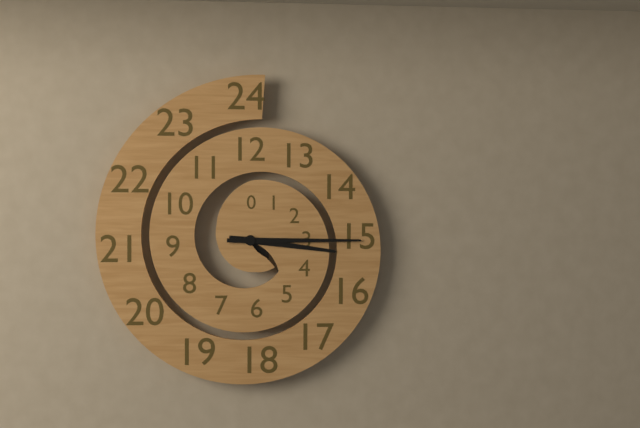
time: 3:15
